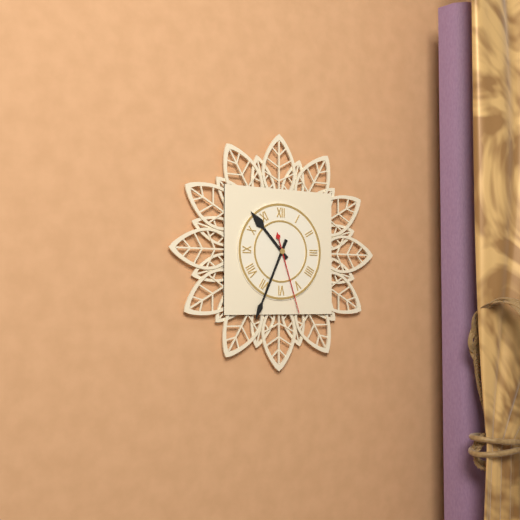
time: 10:34:27
